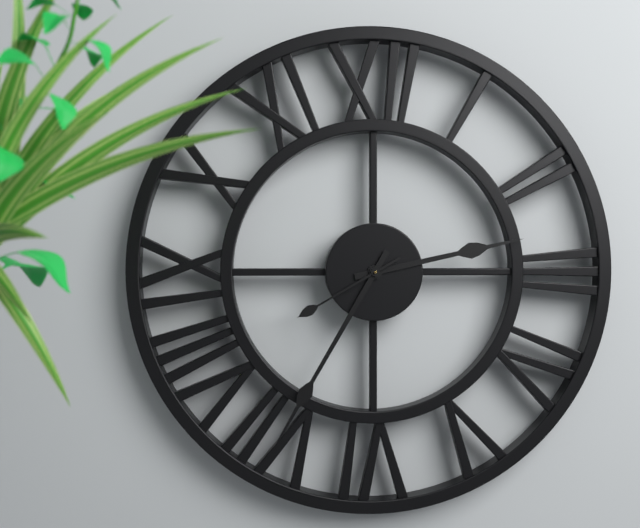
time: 2:35:40
